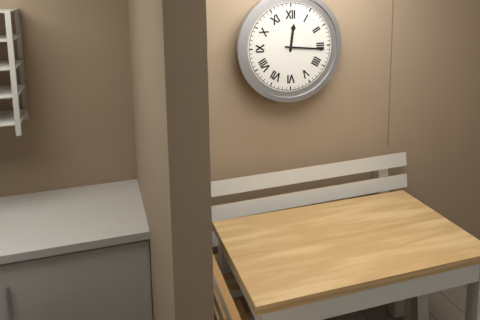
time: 12:16
